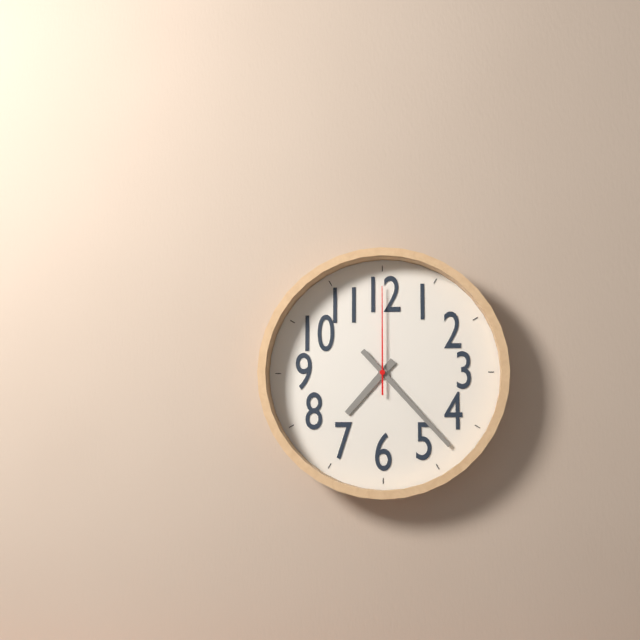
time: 7:23:00
